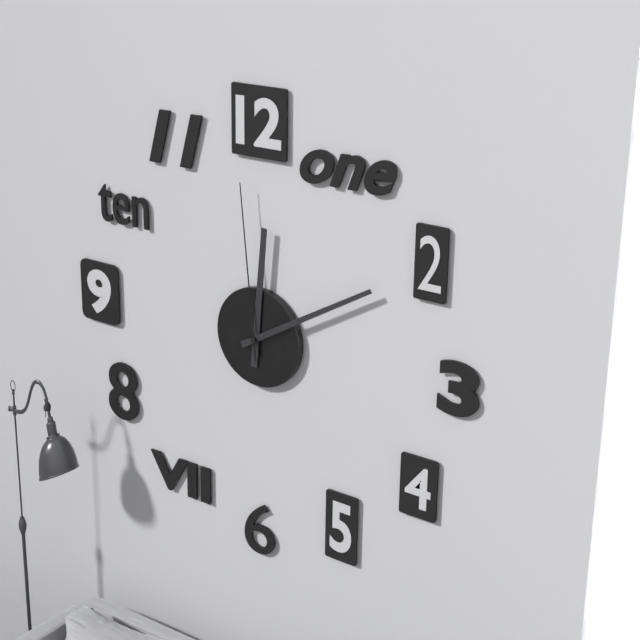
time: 12:10:59
